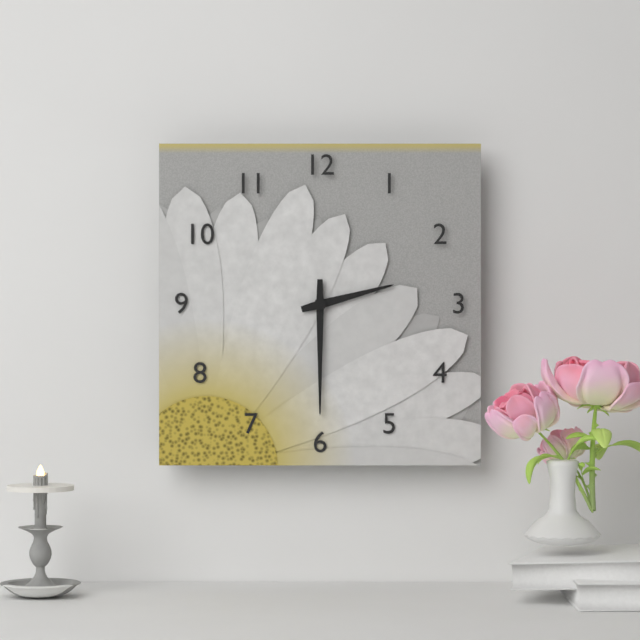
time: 2:30
